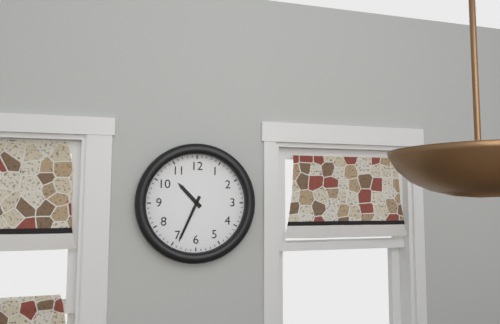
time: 10:34
